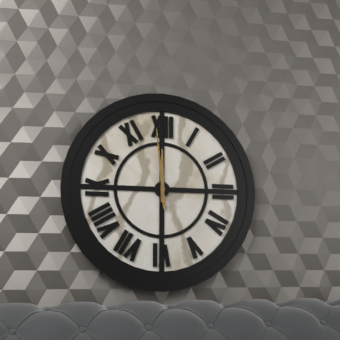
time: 11:59
